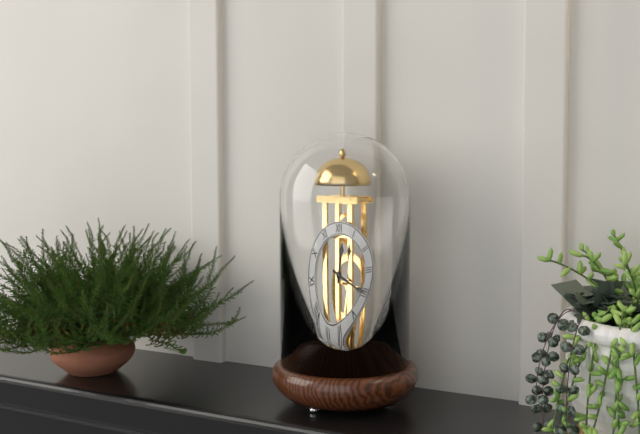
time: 12:20
